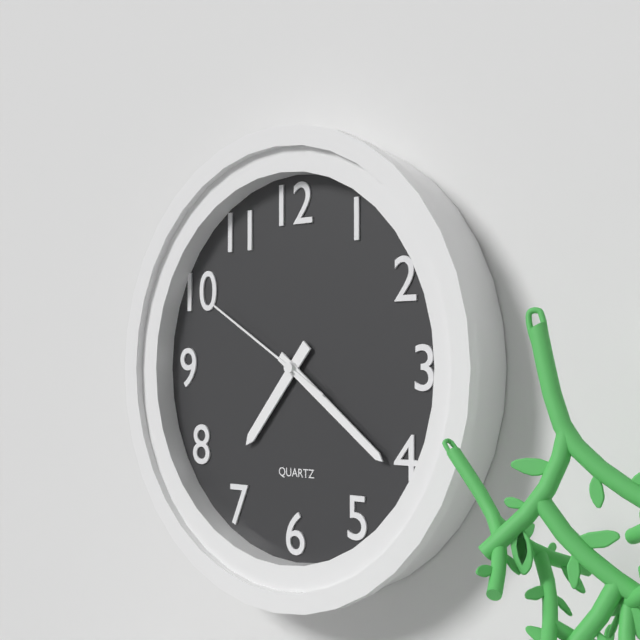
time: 7:21:50
